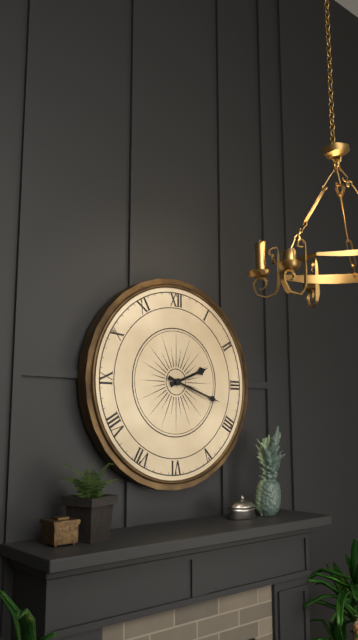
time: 2:18
